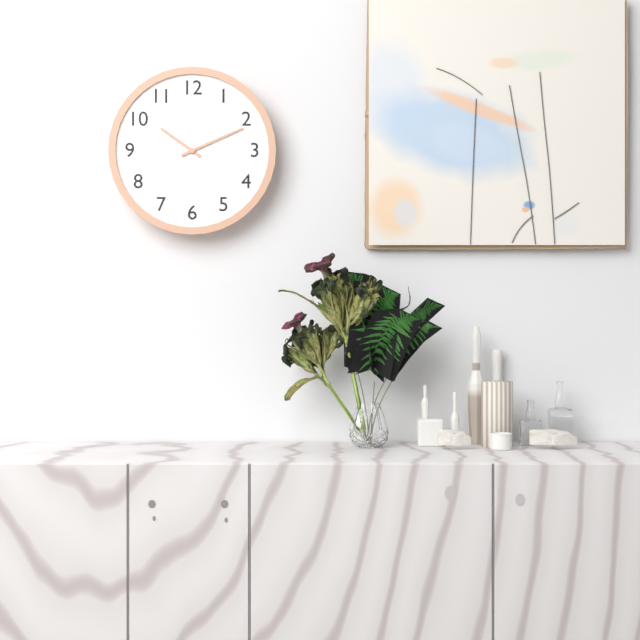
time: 10:11
